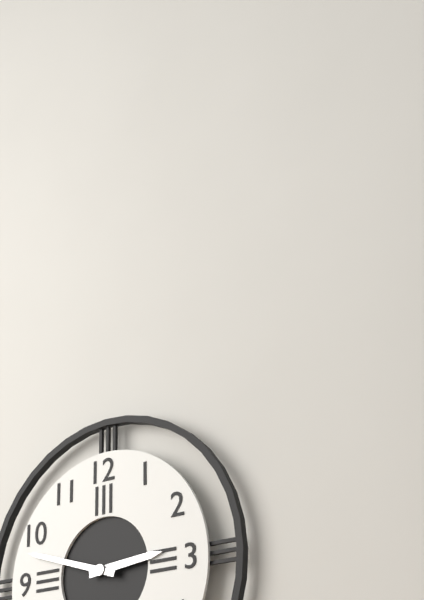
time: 2:48
